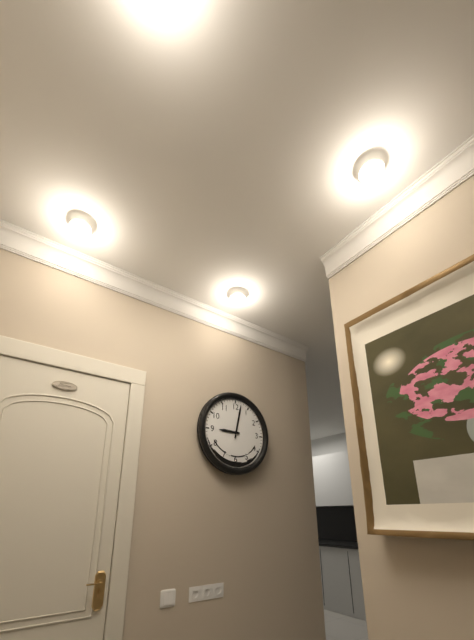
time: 9:02
